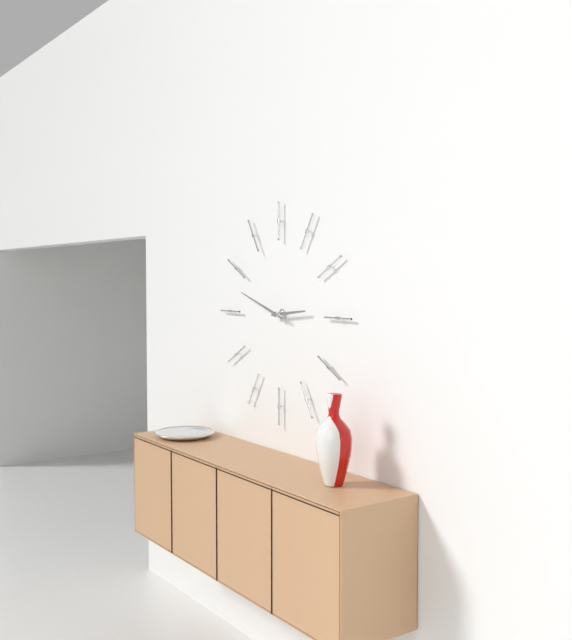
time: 2:48
